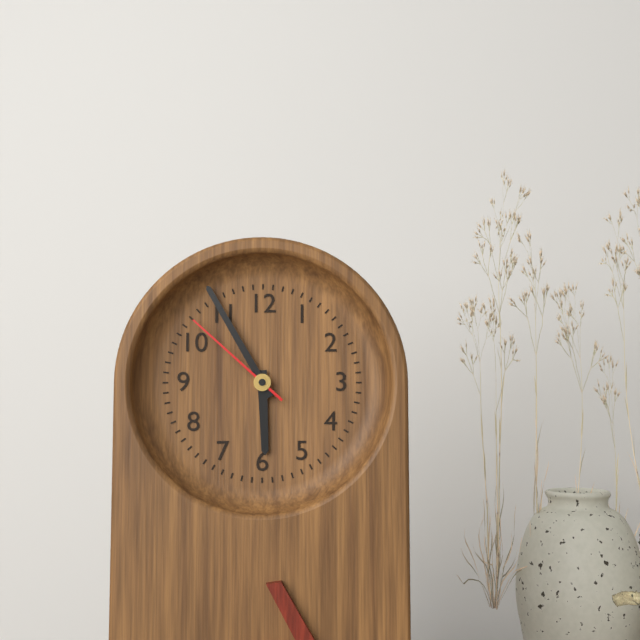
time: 5:55:52
